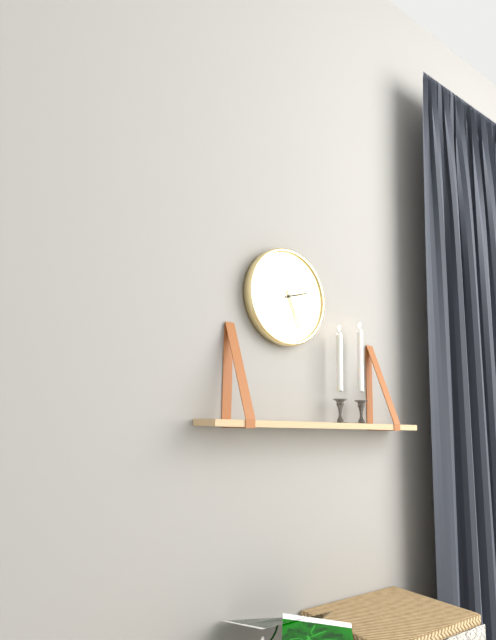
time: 2:26
